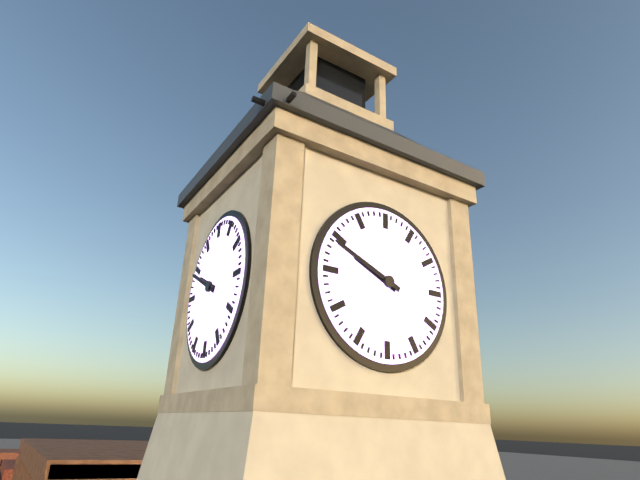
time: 9:49
